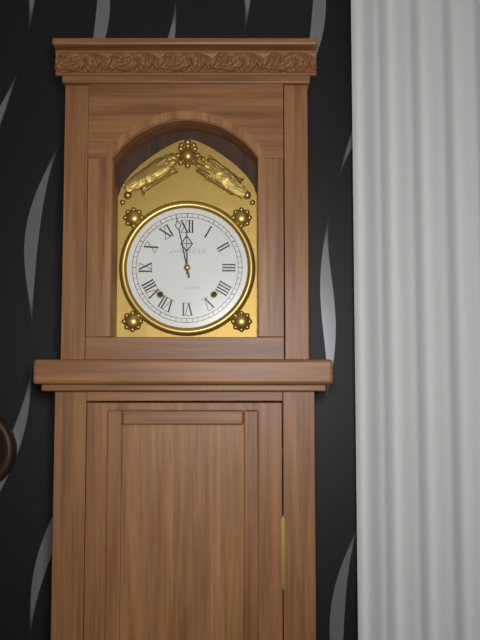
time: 11:58
